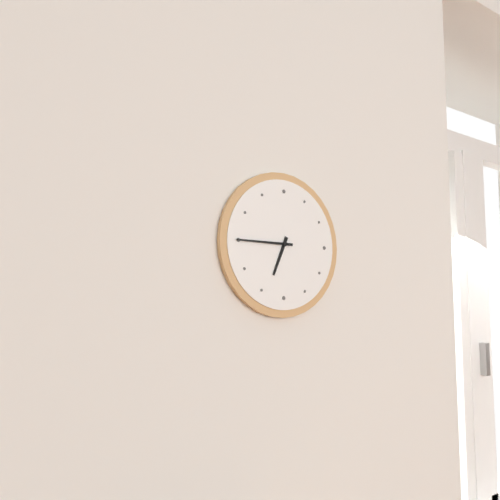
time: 6:45
